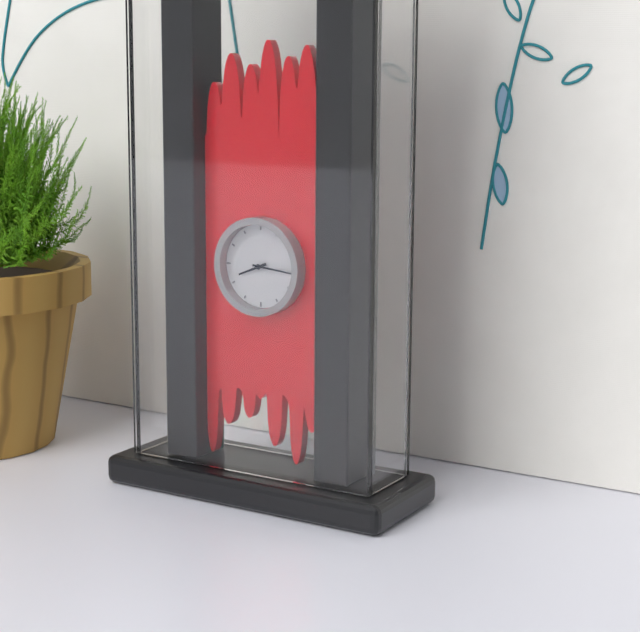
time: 8:16
